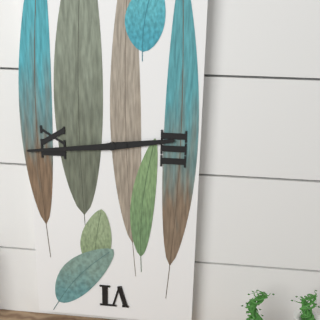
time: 2:44
